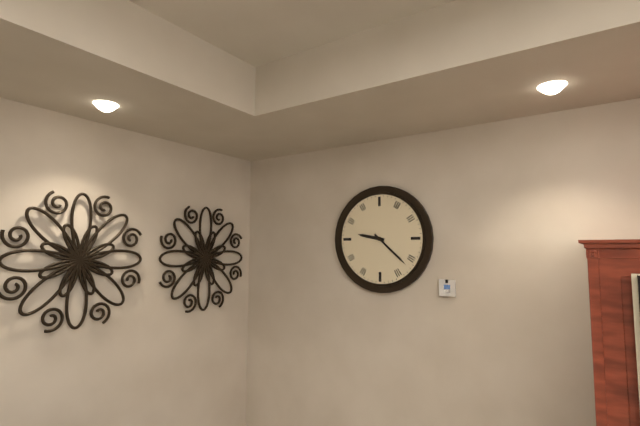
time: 9:22
